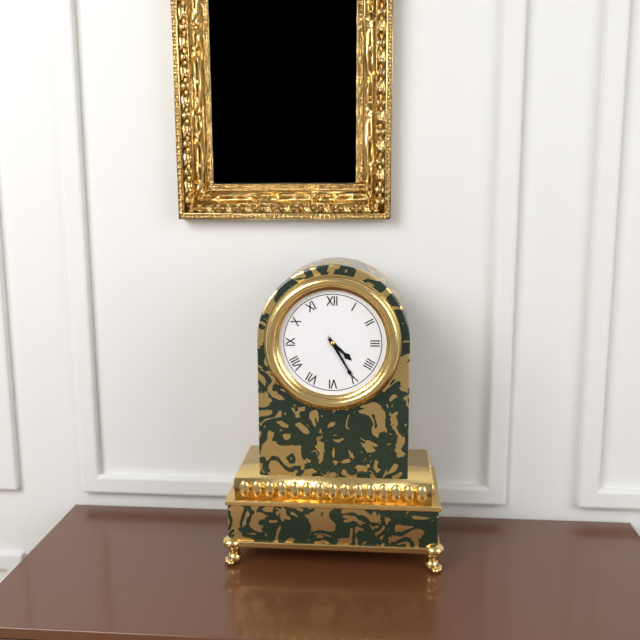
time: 4:25
